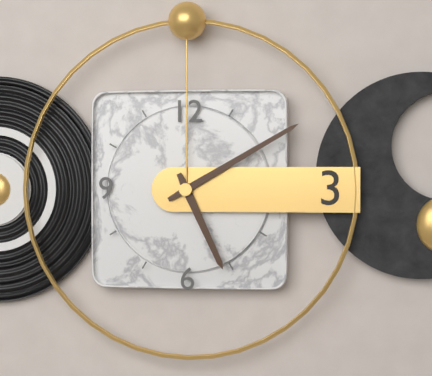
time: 5:10
